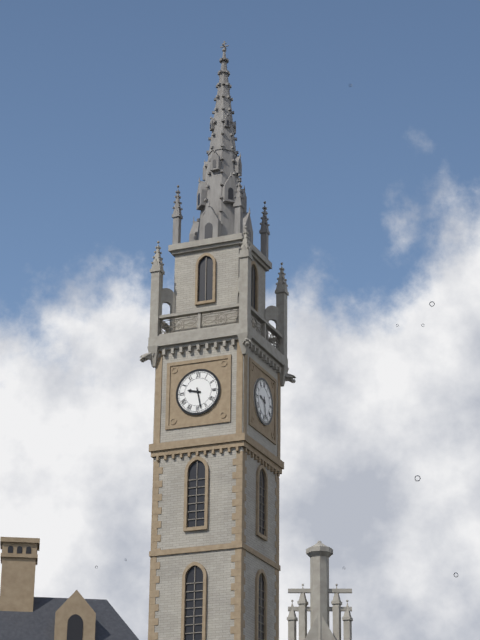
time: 9:28
